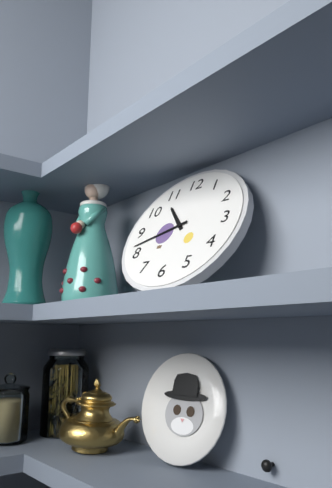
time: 10:42
